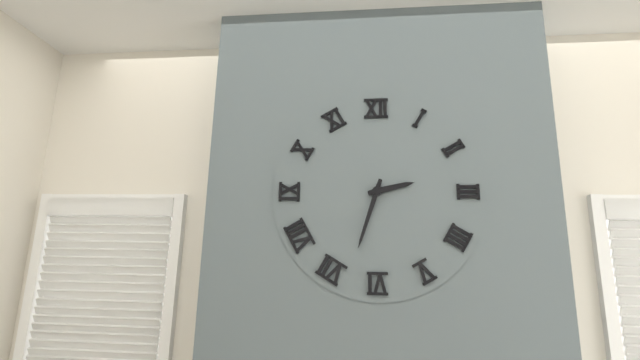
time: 2:33
